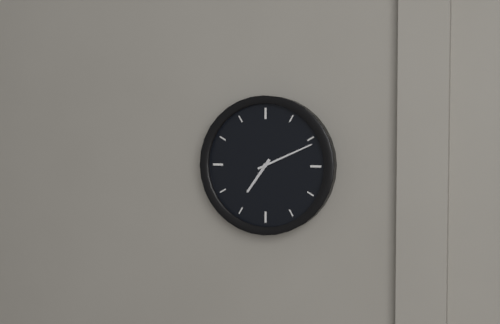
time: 7:11
